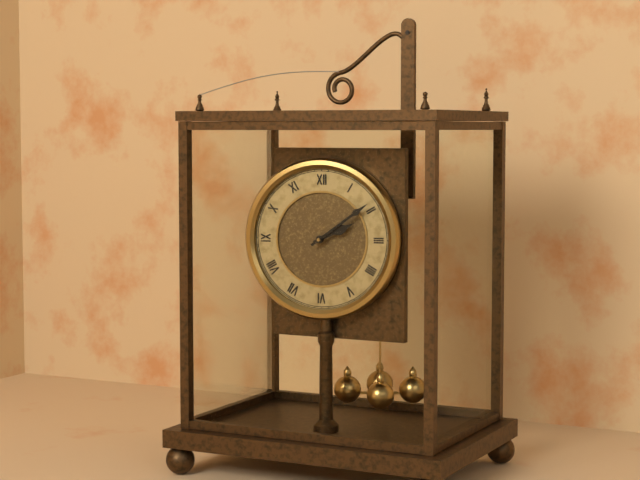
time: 2:09
